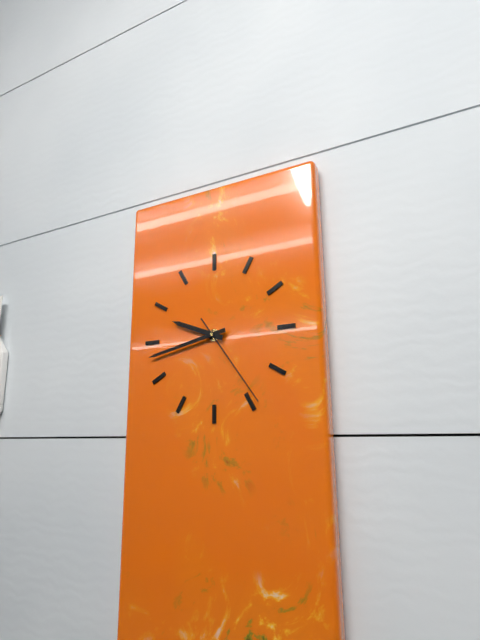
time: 9:43:24
